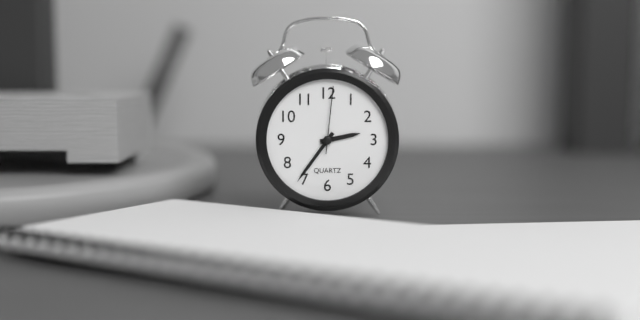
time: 2:36:01
